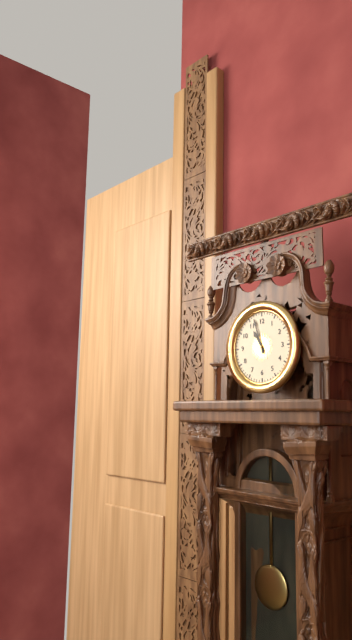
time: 10:57
